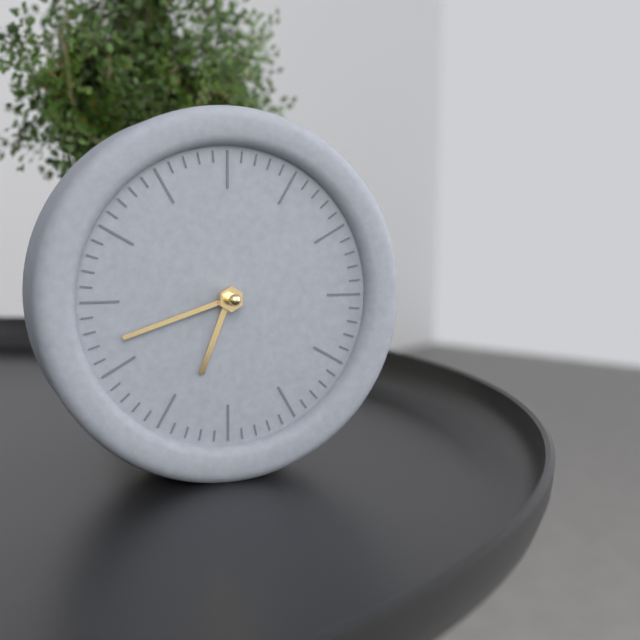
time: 6:42
